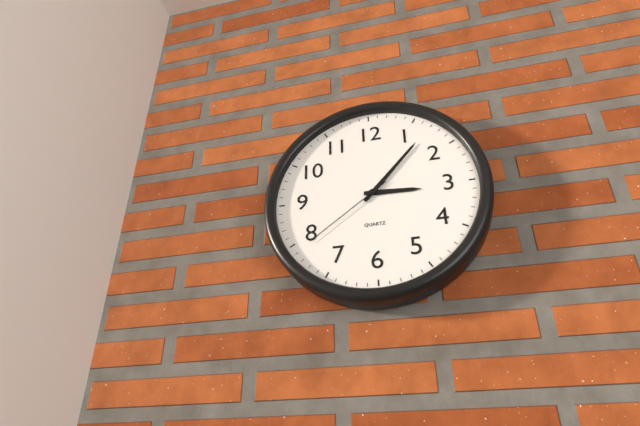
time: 3:07:39
